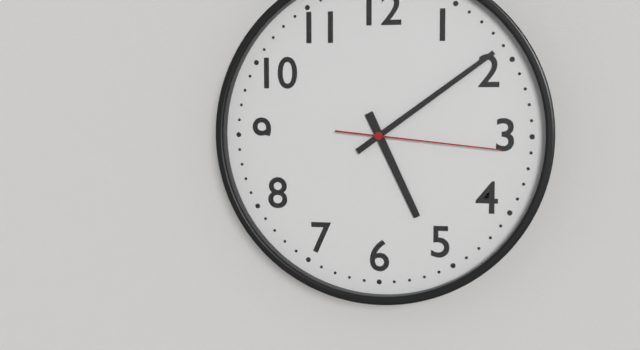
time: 5:09:16
